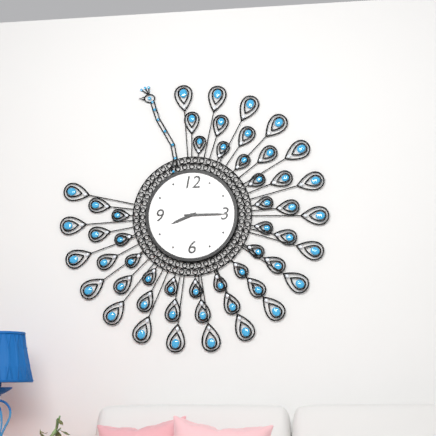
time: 8:15
